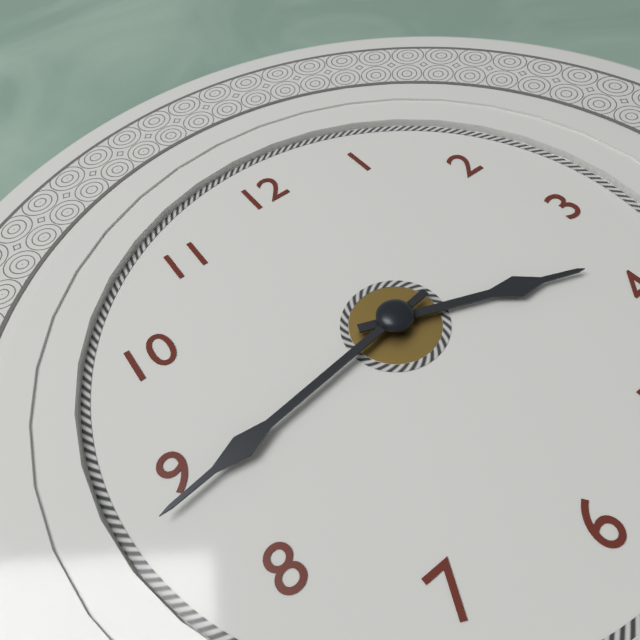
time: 3:44
